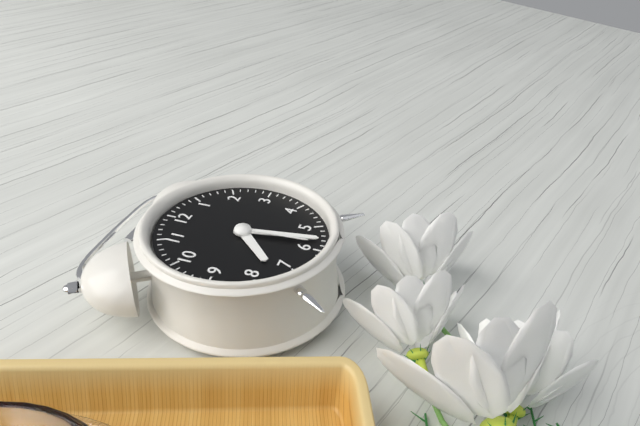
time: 7:28:29
